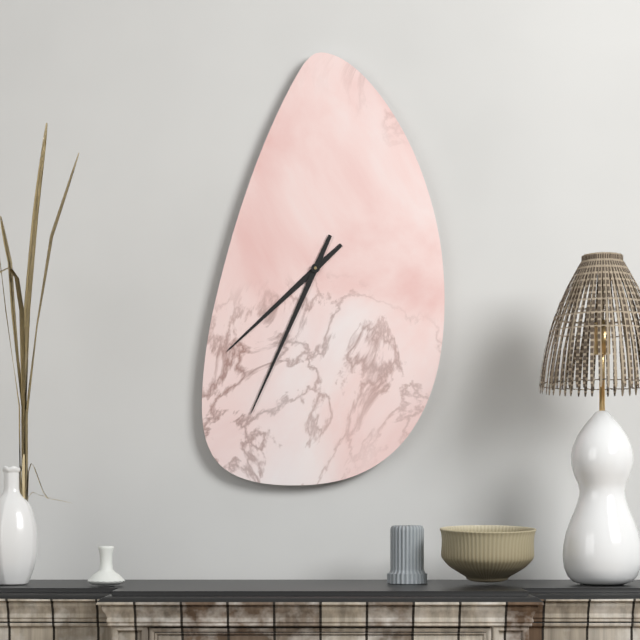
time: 7:34
